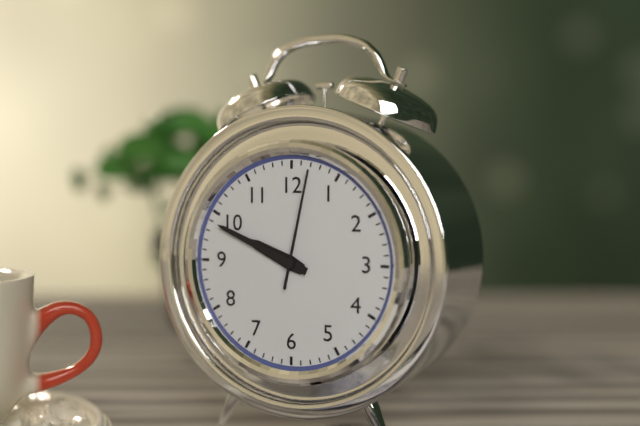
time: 9:49:02
